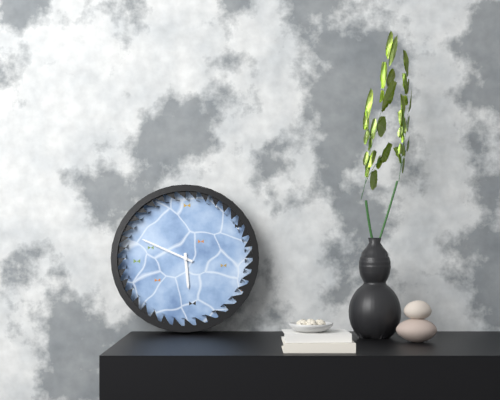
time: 5:49
